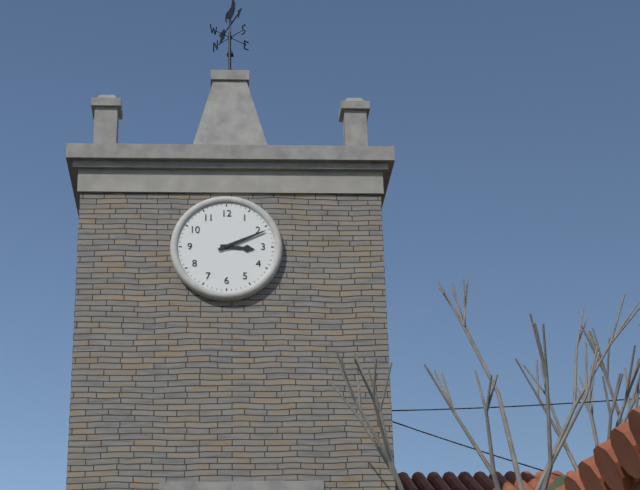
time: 3:11
